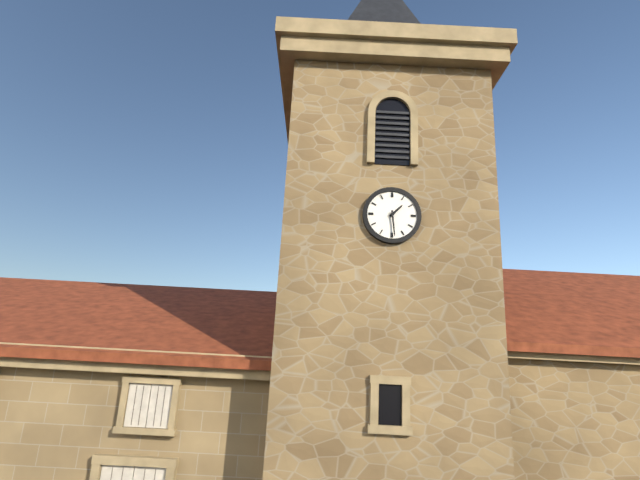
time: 1:29
